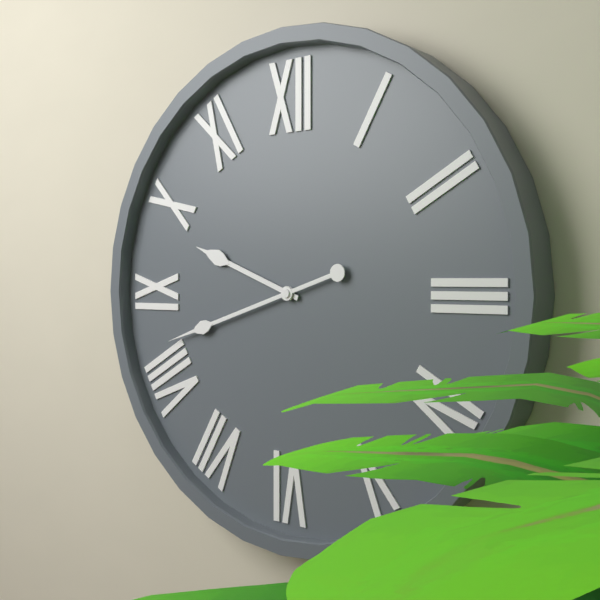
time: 9:42
